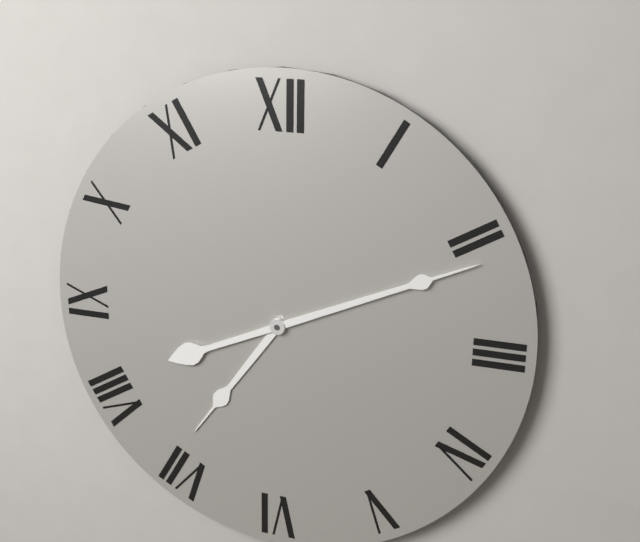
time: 7:11
